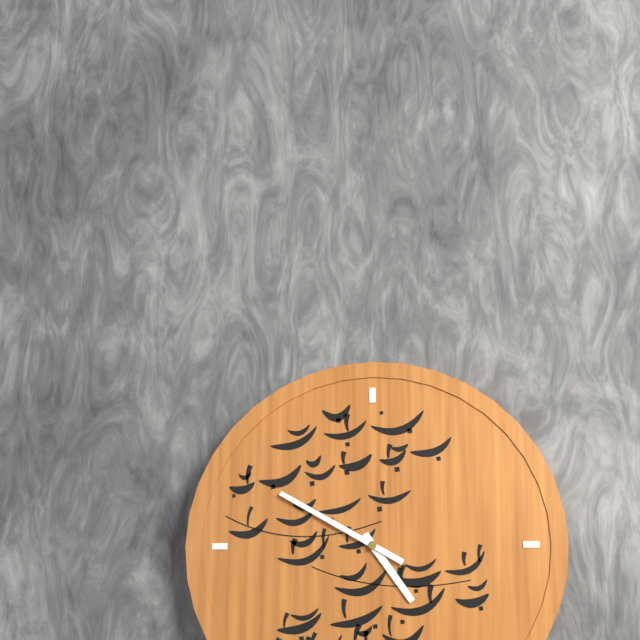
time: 4:50
